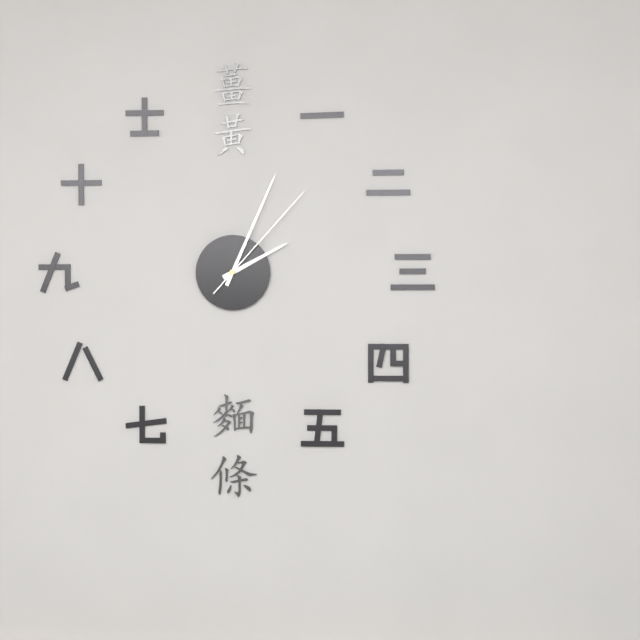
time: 2:04:07
